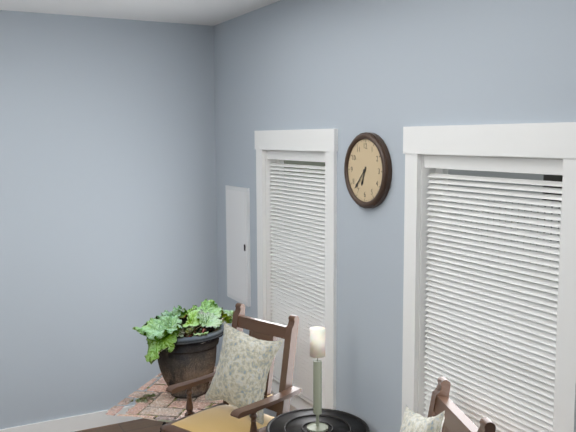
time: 6:37
